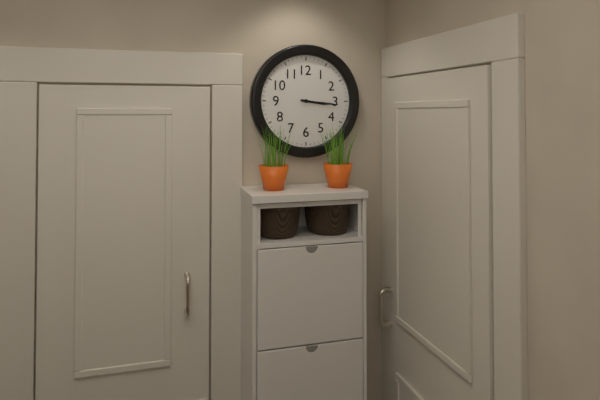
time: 3:16
